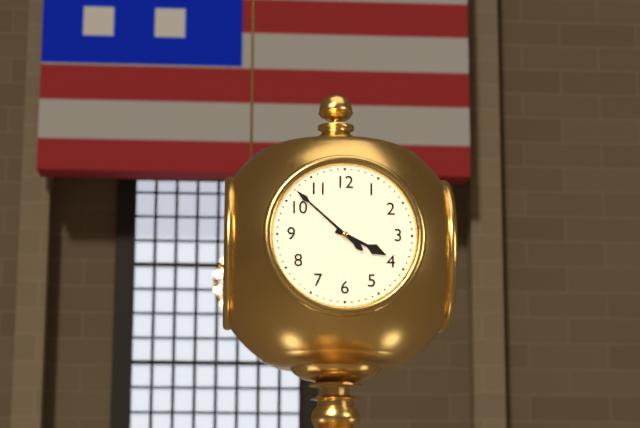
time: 3:52
